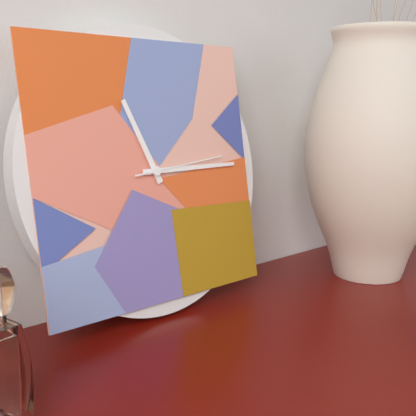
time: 11:15:14
